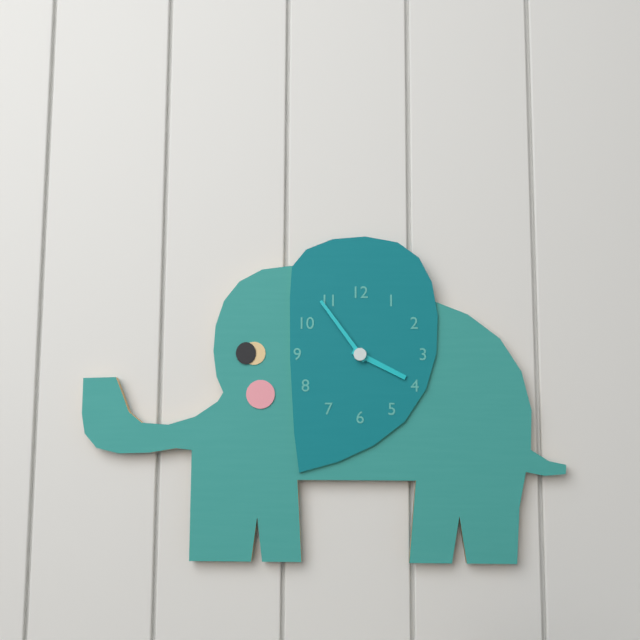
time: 3:54
